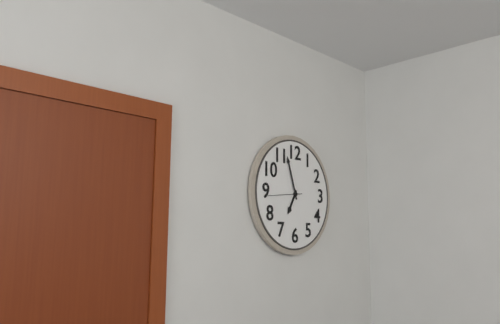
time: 6:57
